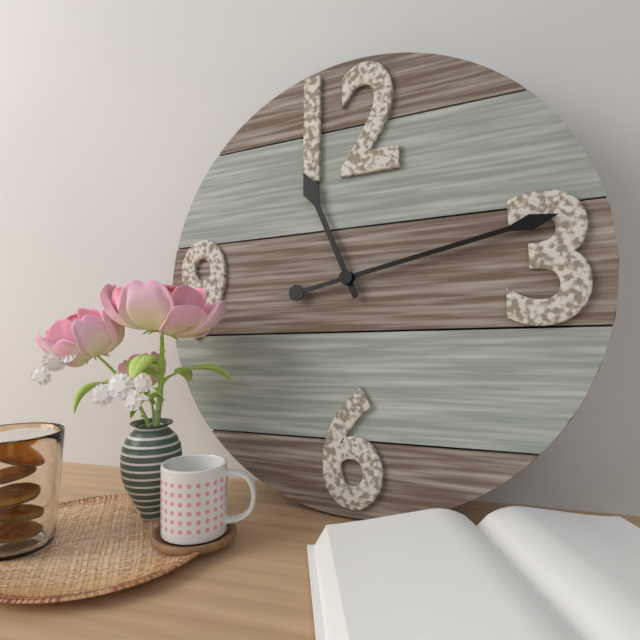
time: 11:13
